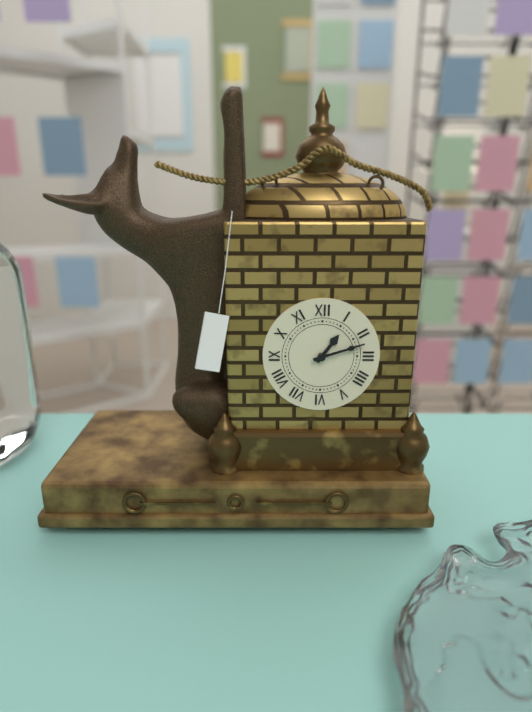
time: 1:12
